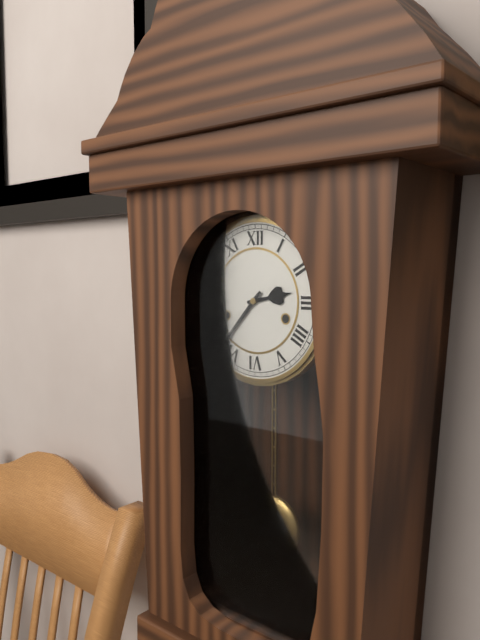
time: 2:37
